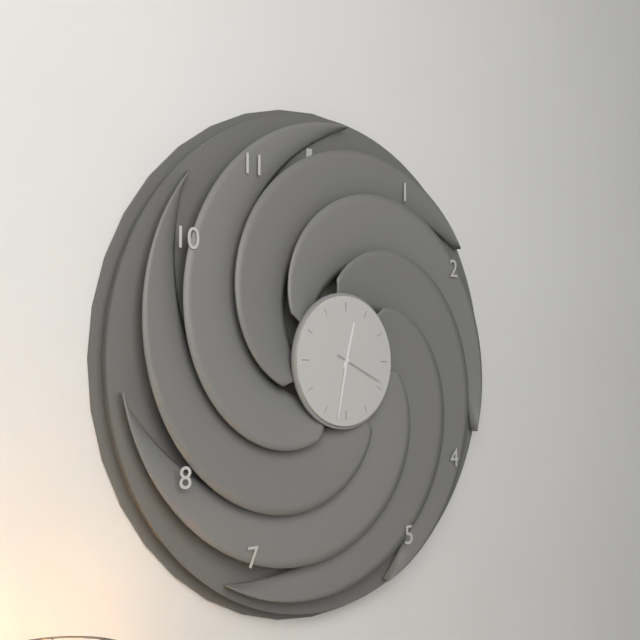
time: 12:32
